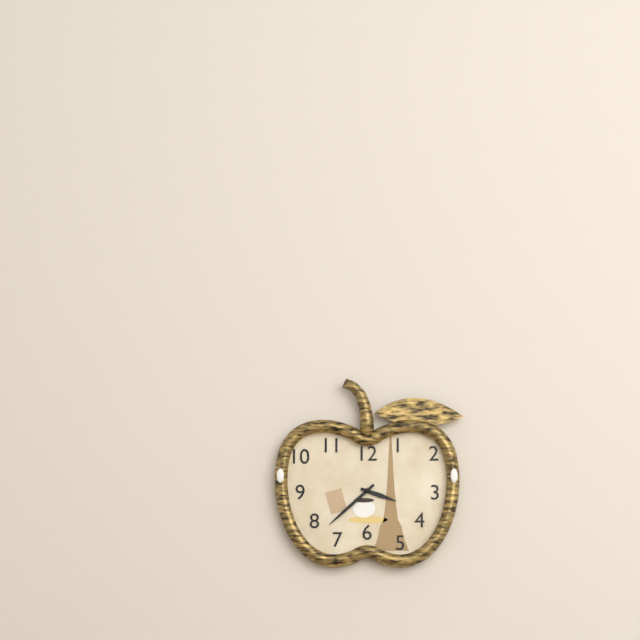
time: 3:38
